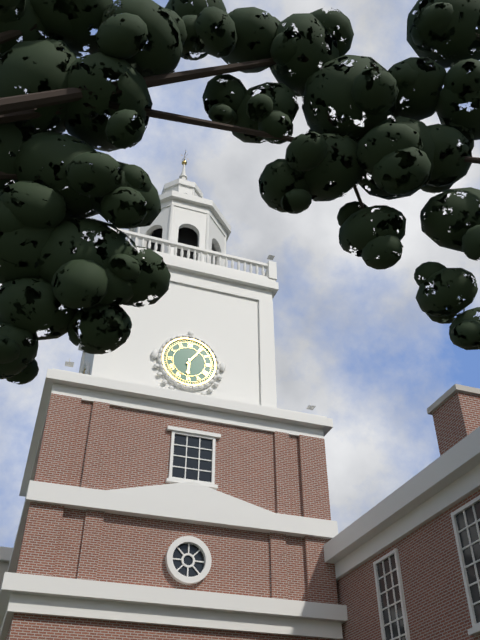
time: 6:06
